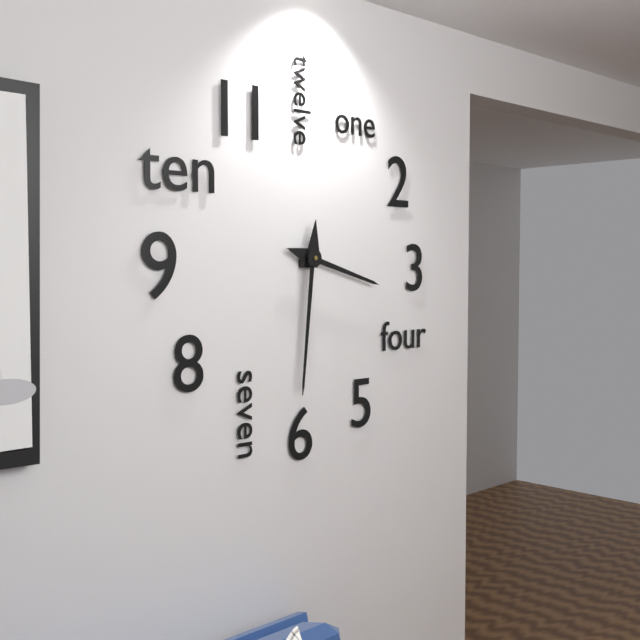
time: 3:31
